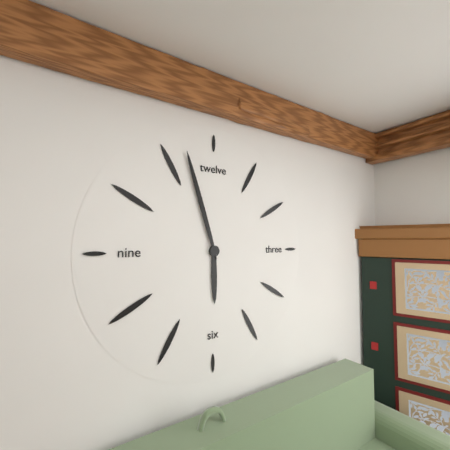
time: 5:57
